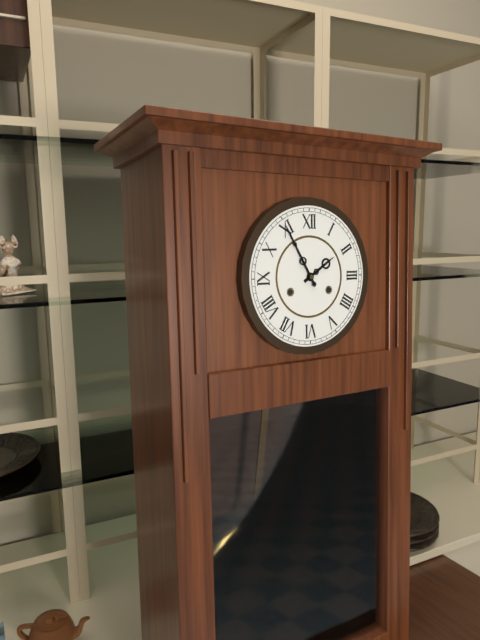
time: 1:55
